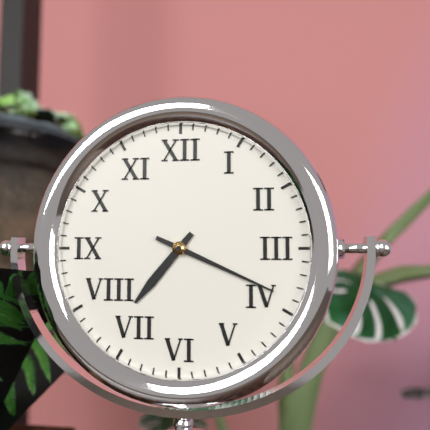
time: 7:19
